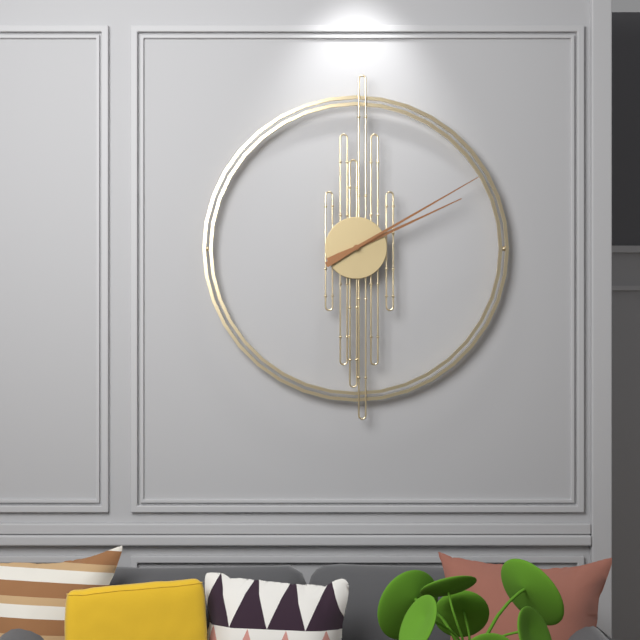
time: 2:10
